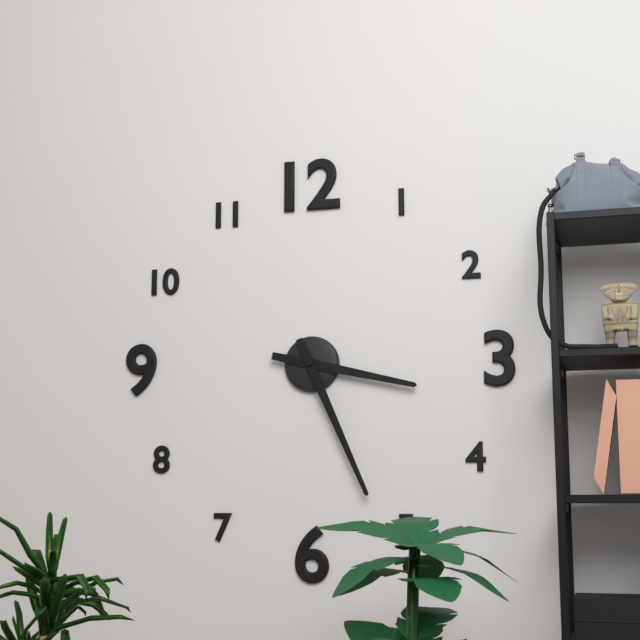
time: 3:26
